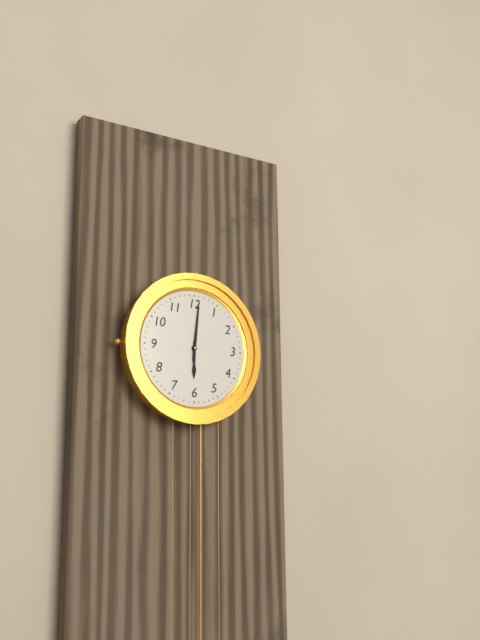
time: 6:01
